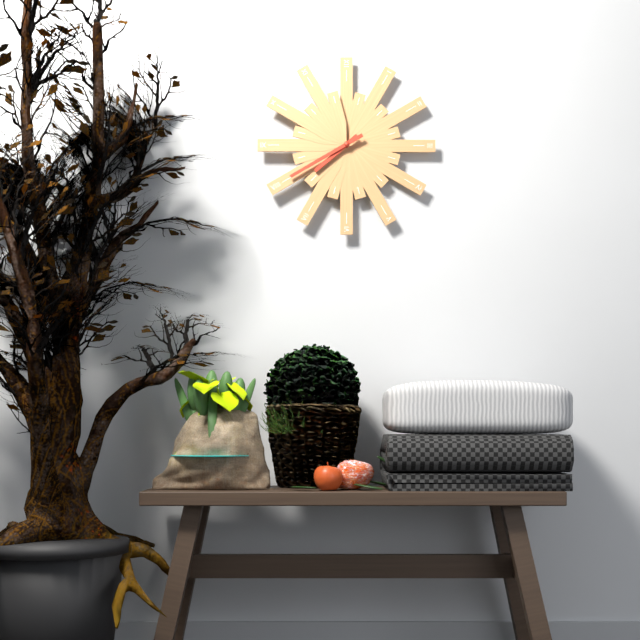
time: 7:40
